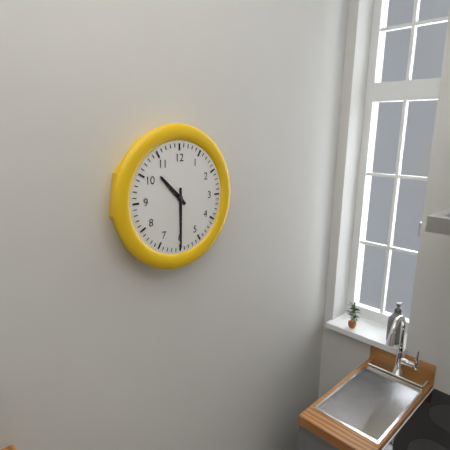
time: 10:30
